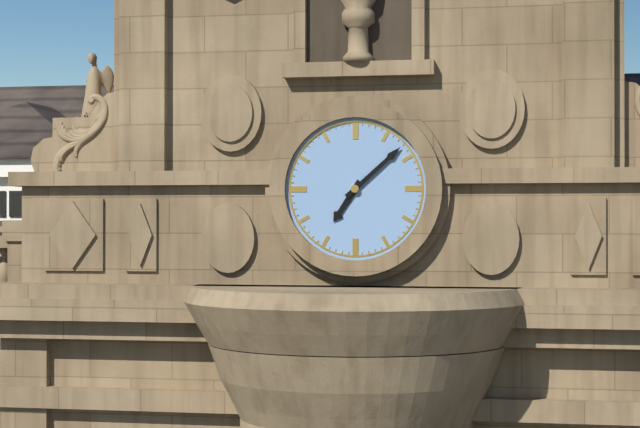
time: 7:08
